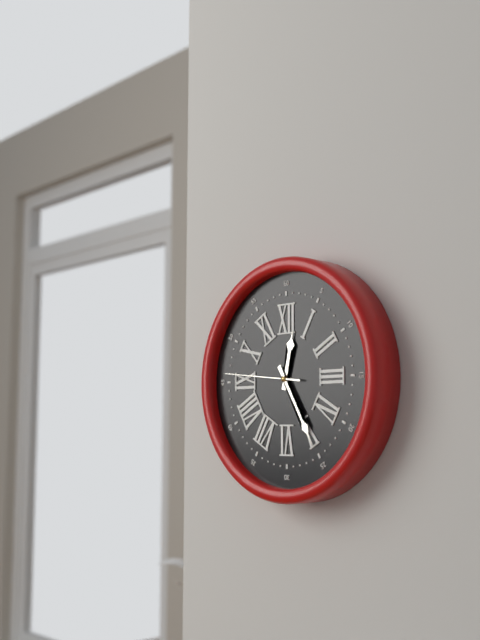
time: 12:25:46
